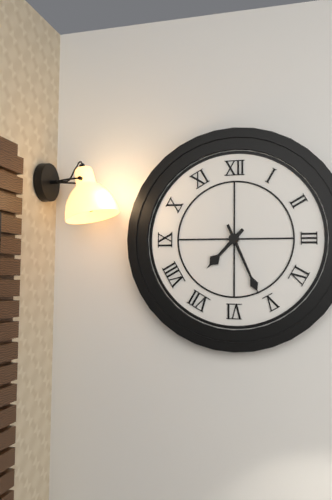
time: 7:26
